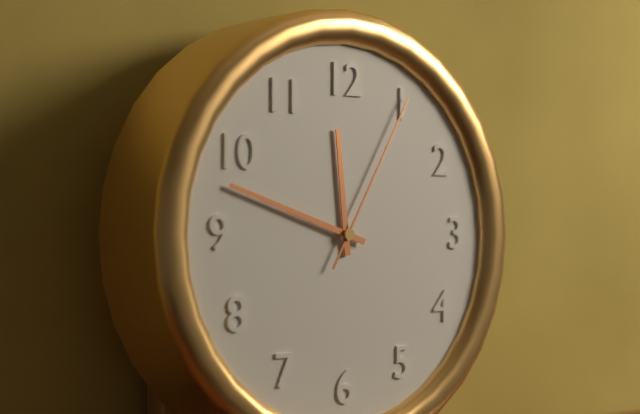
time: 11:48:05
